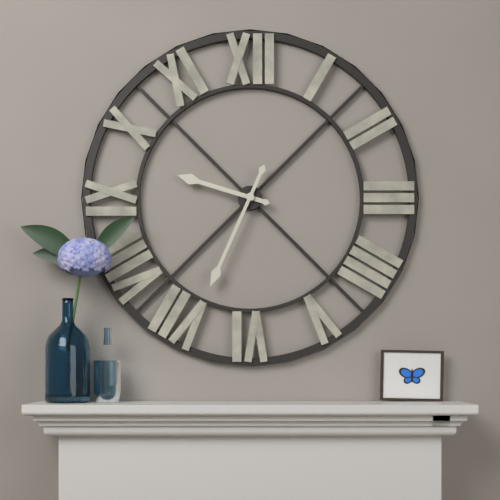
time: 9:34
